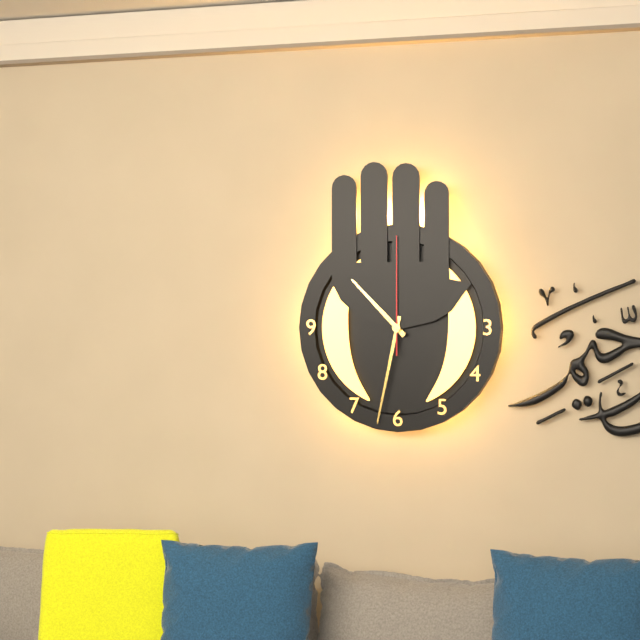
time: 10:32:00
